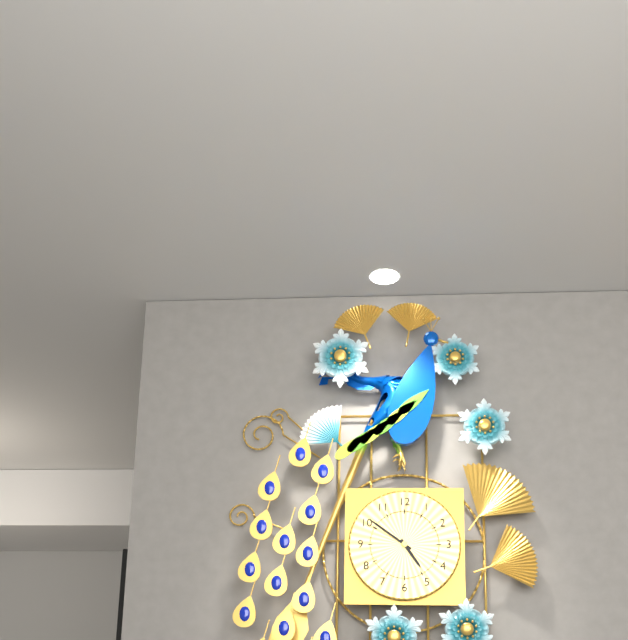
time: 4:51
